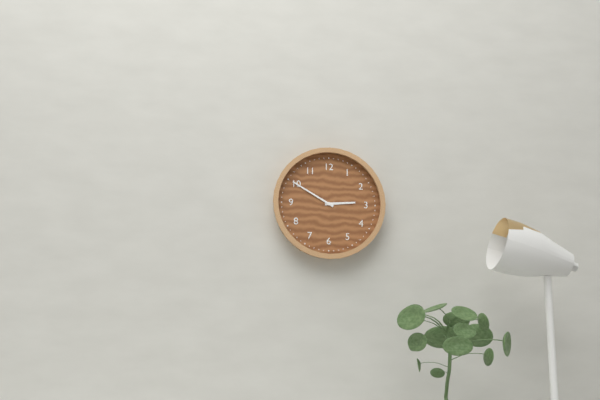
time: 2:50
